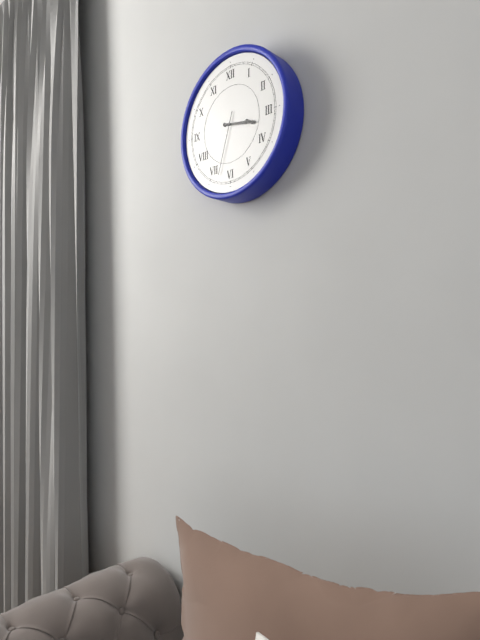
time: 3:17:33
